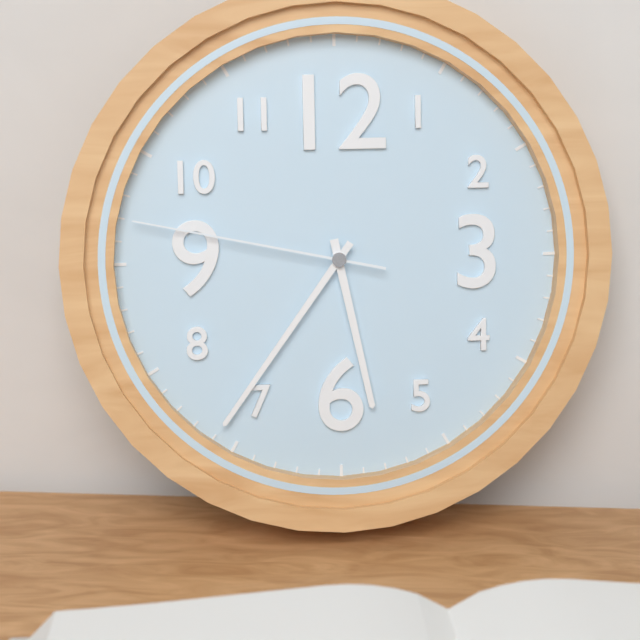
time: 5:36:47
